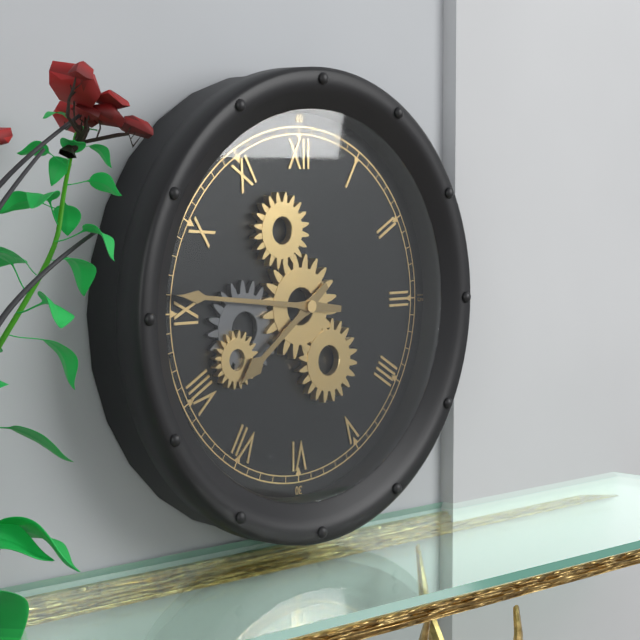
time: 7:46
